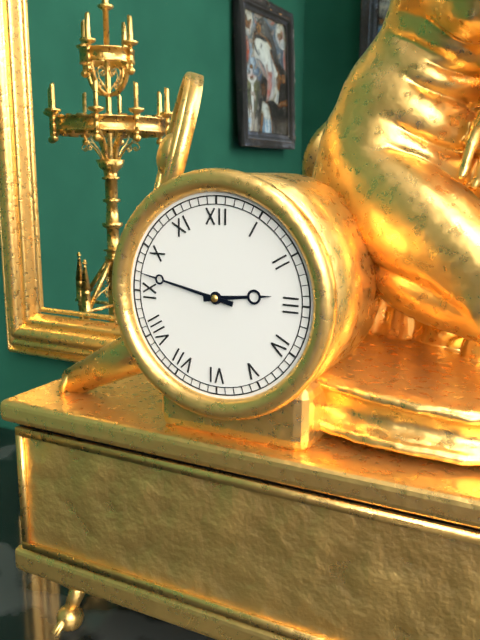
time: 2:47
